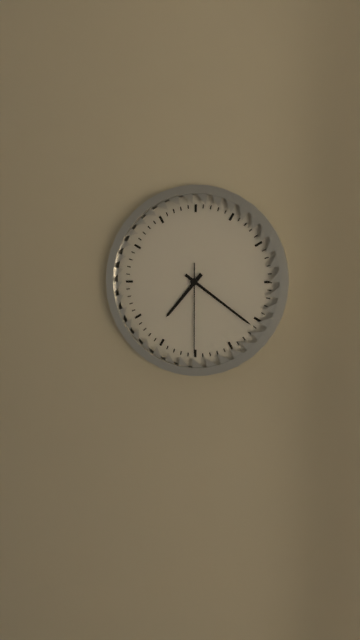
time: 7:21:30
